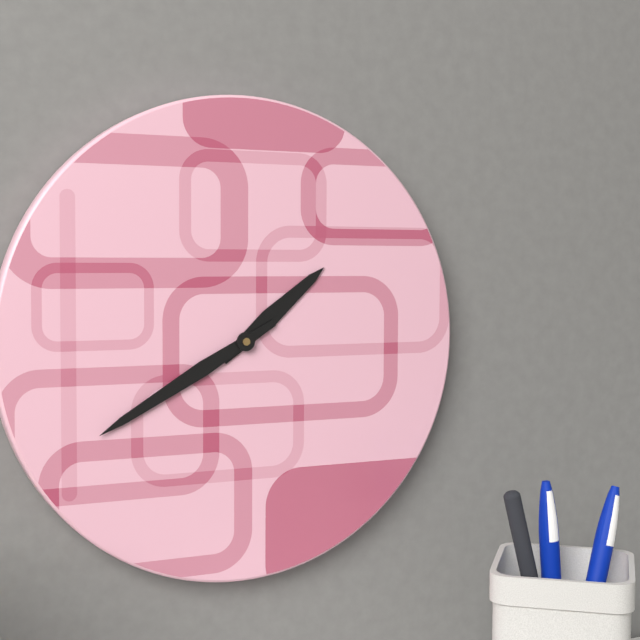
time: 1:40
